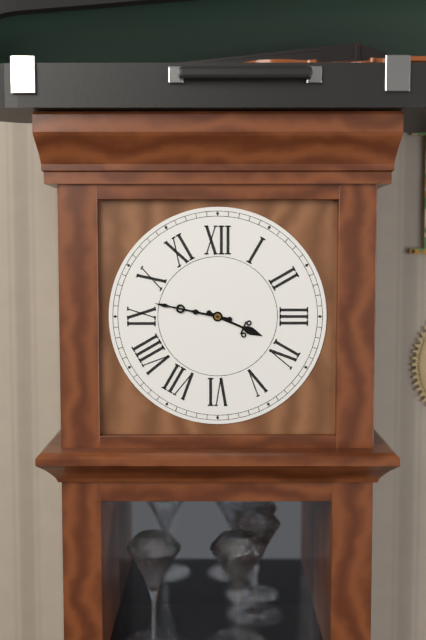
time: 3:47
